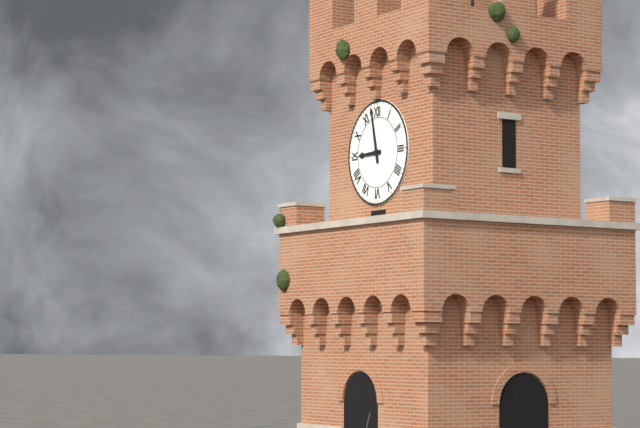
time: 8:58
